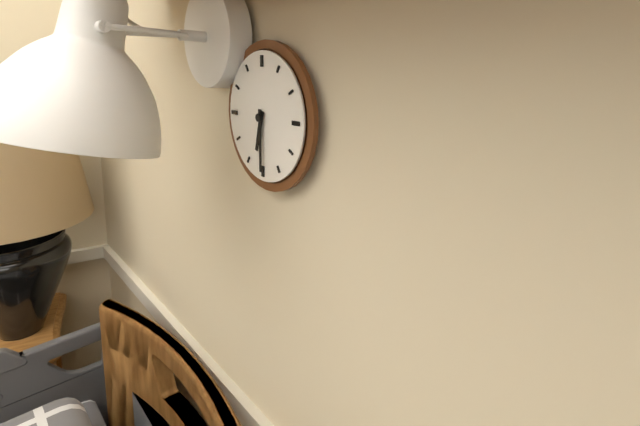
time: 6:30
